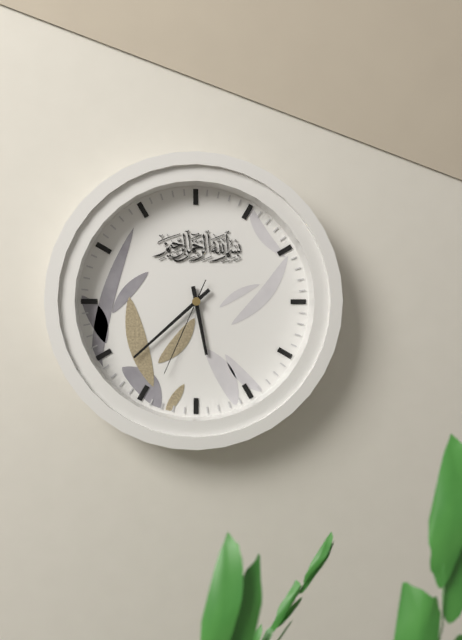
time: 5:38:34
